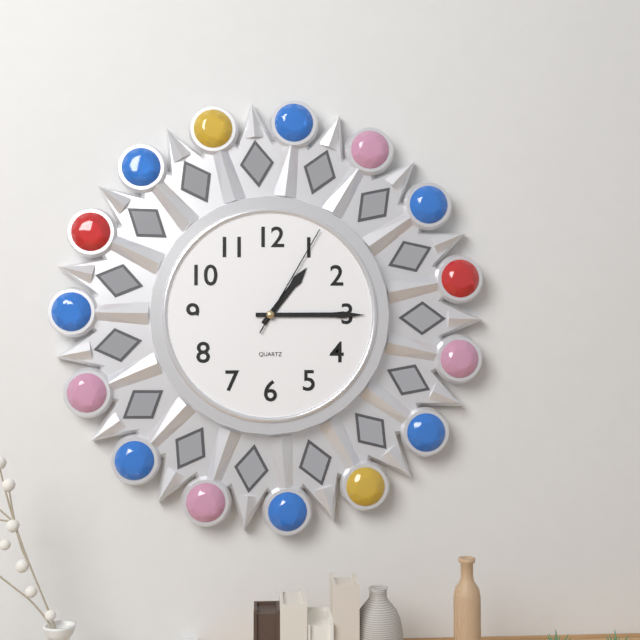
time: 1:15:05
